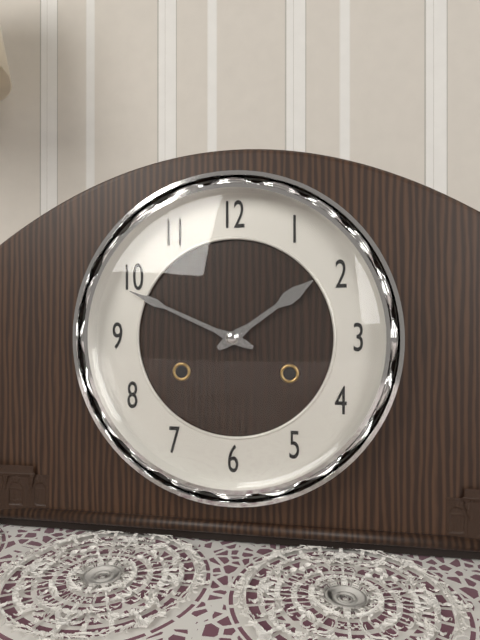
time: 1:49
